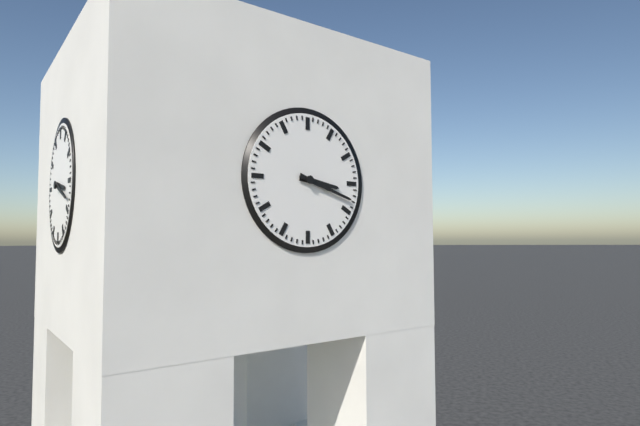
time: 3:18
